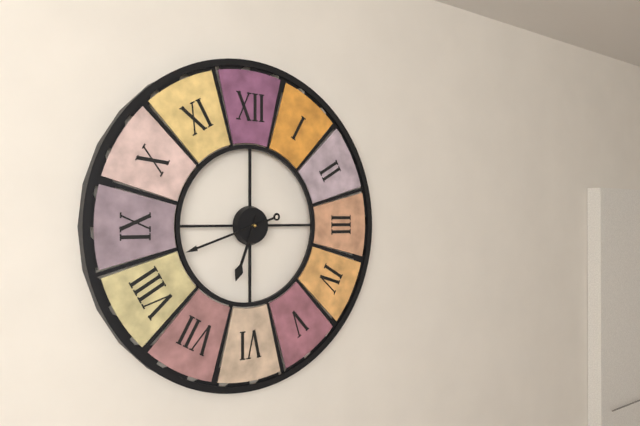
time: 6:42
